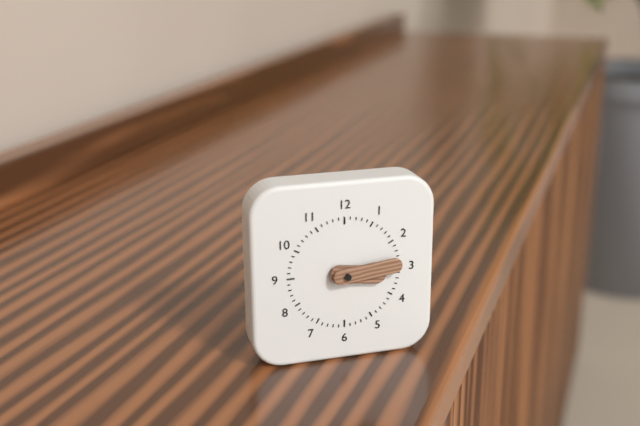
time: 3:14
